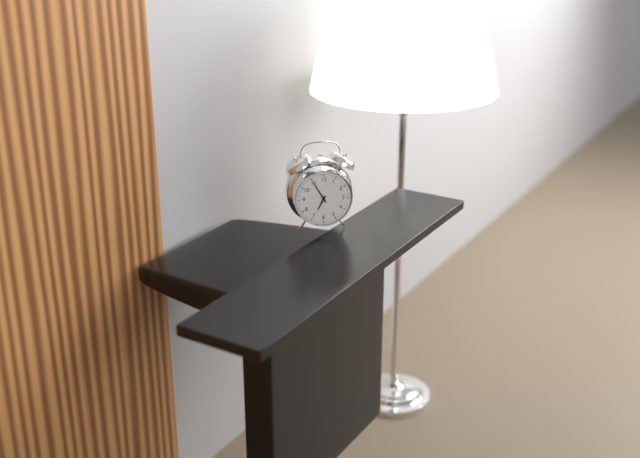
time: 6:55
